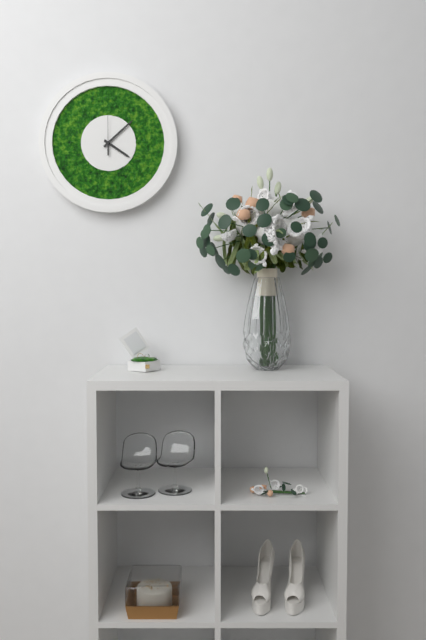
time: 4:08
